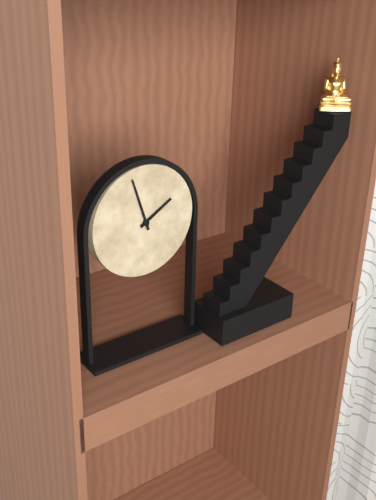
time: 1:57
